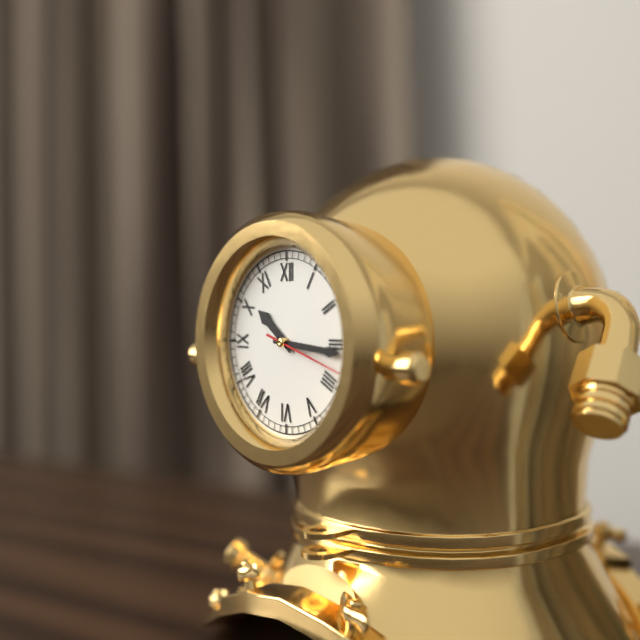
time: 10:16:18
